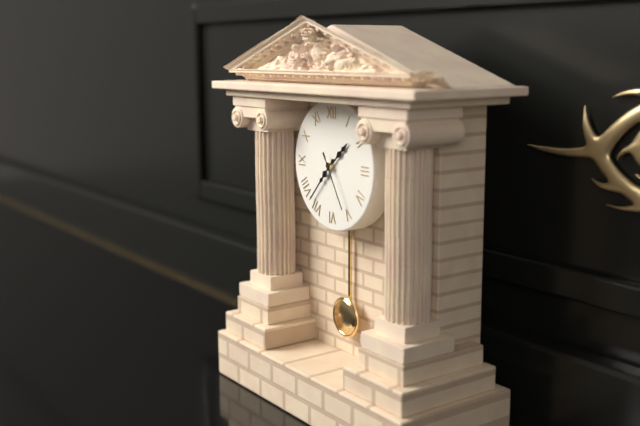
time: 1:37:25
